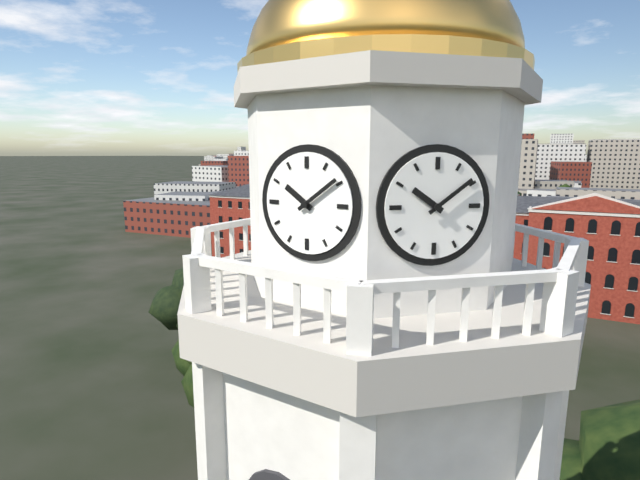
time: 10:09
